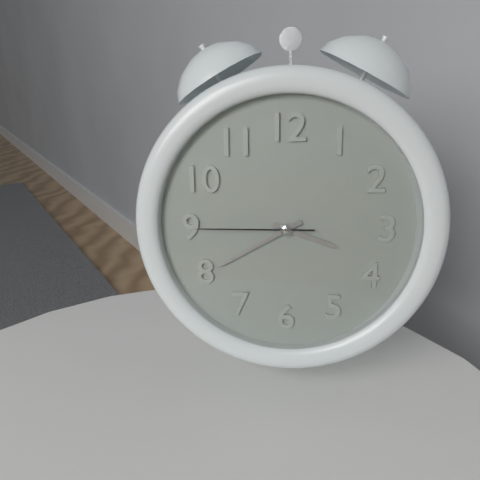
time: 3:40:45
